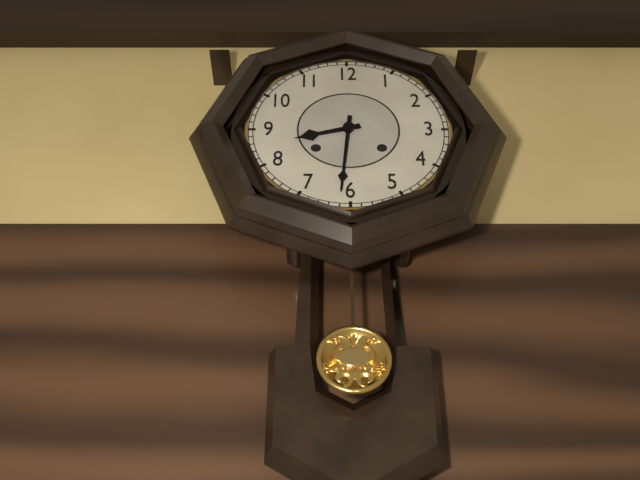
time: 8:31
